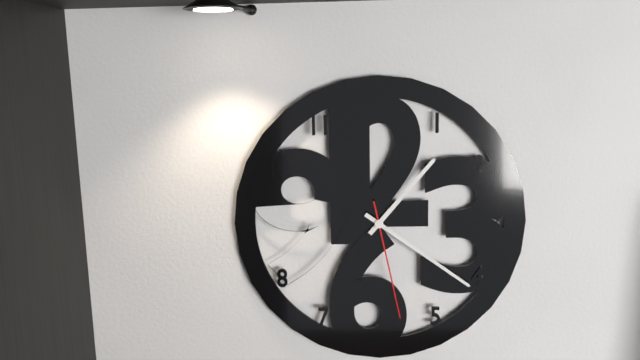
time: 1:21:28
